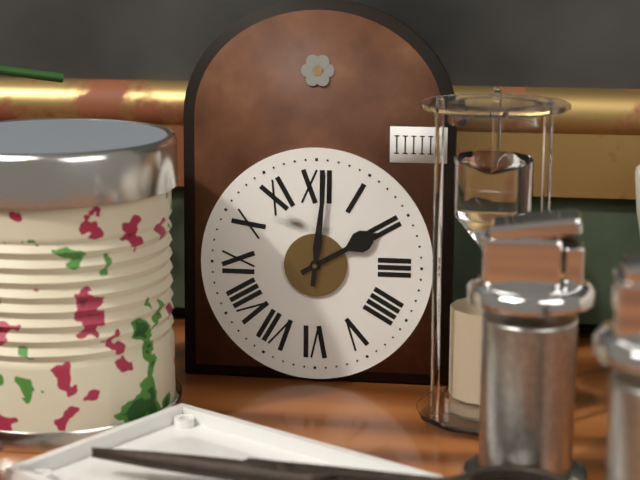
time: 2:01
